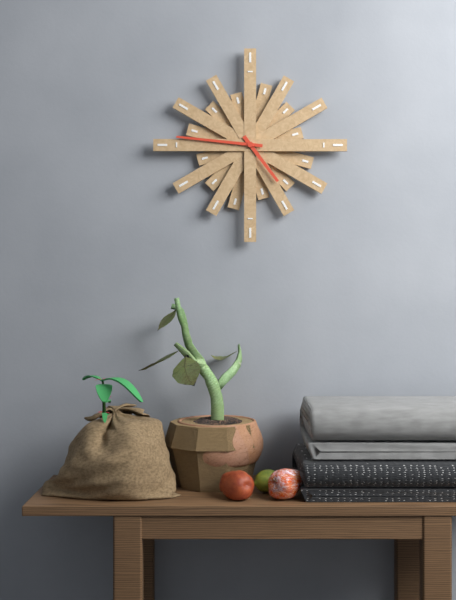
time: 4:46
